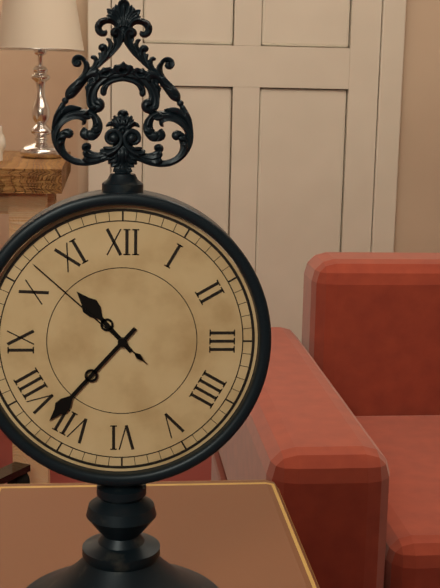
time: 10:37:52
